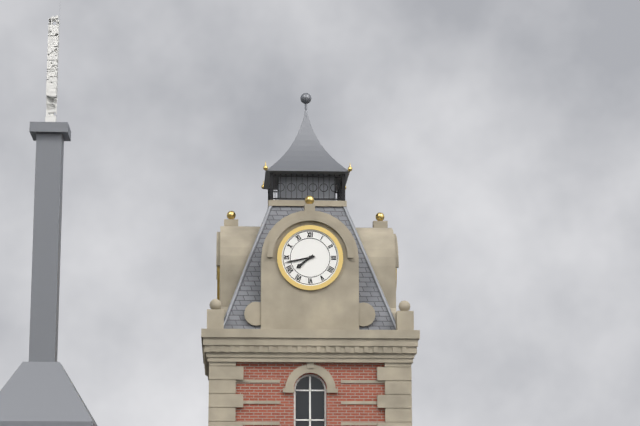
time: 7:43
